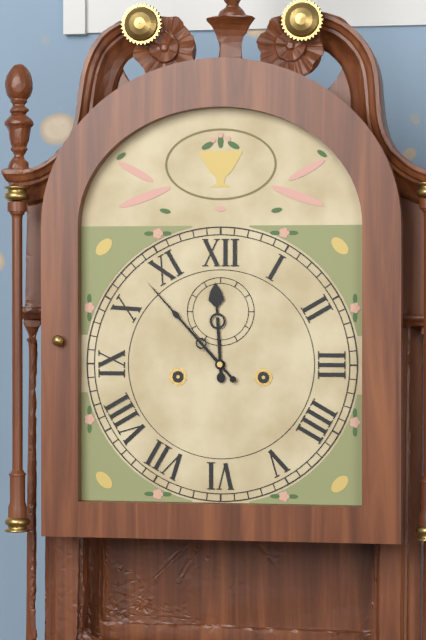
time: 11:53
